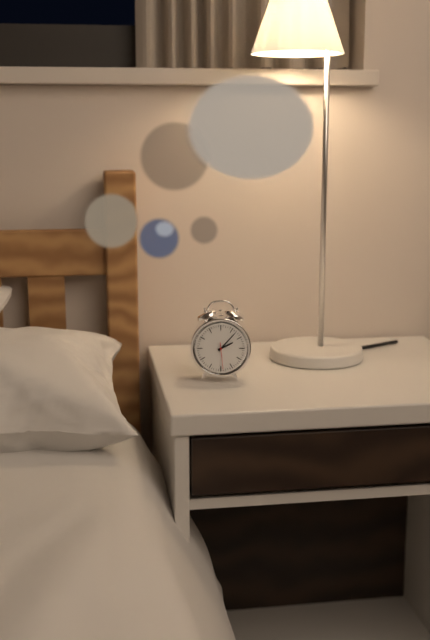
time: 2:07
